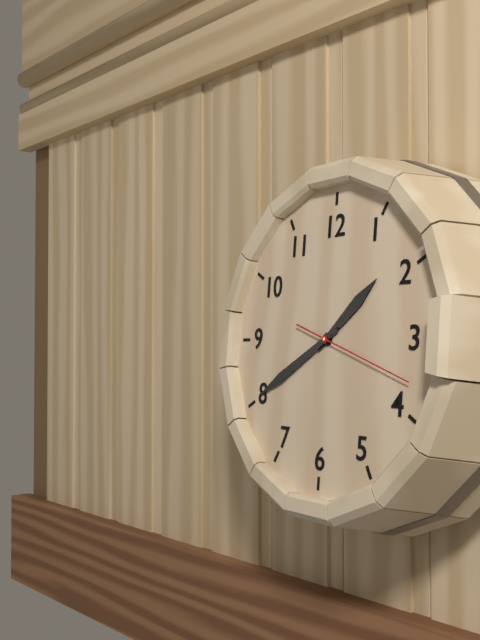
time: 1:40:18
